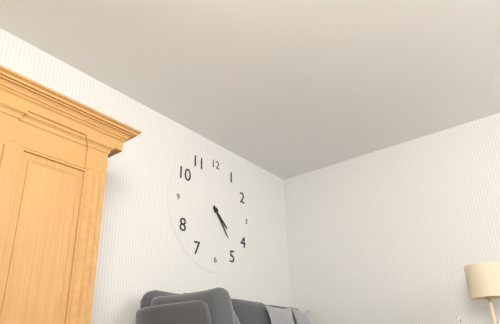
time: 4:24
